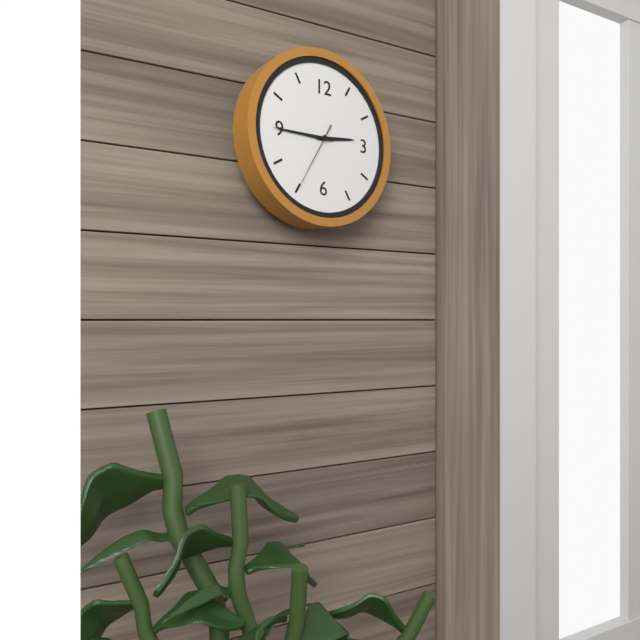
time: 2:45:35
